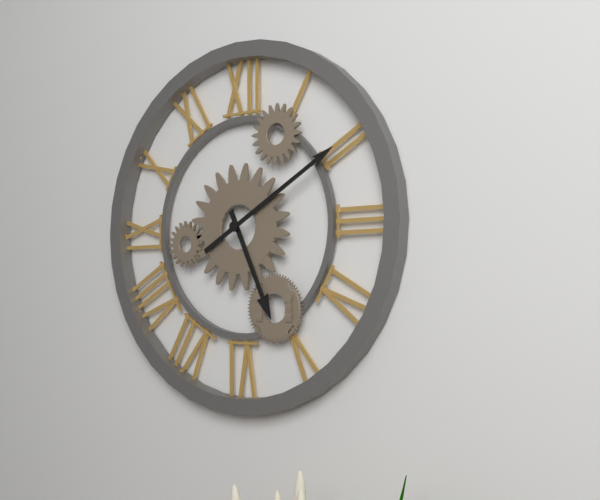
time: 5:10
